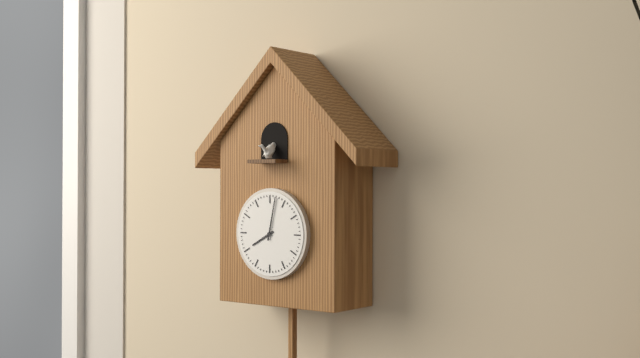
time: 8:02
